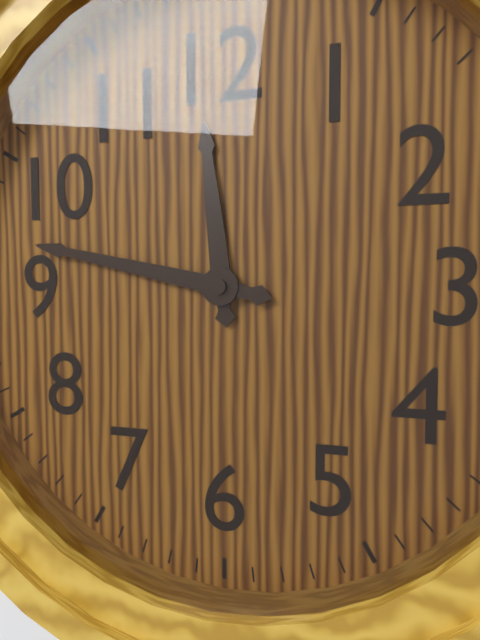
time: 11:47
